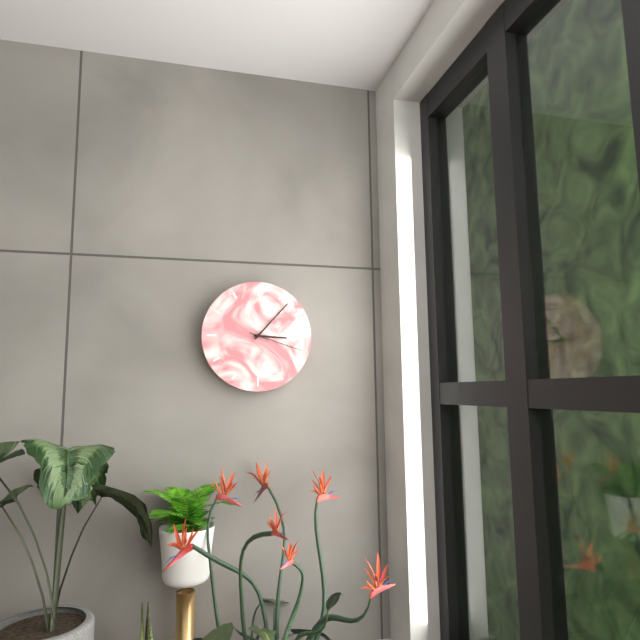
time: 3:07:18
